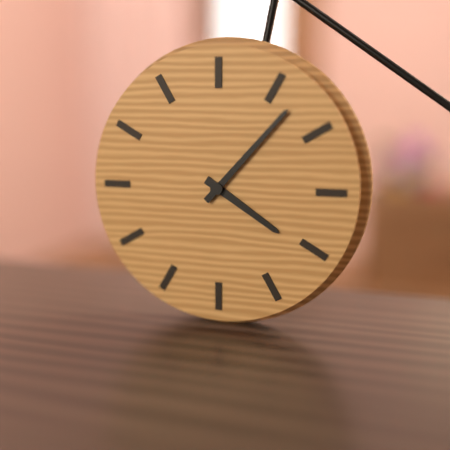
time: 4:07
